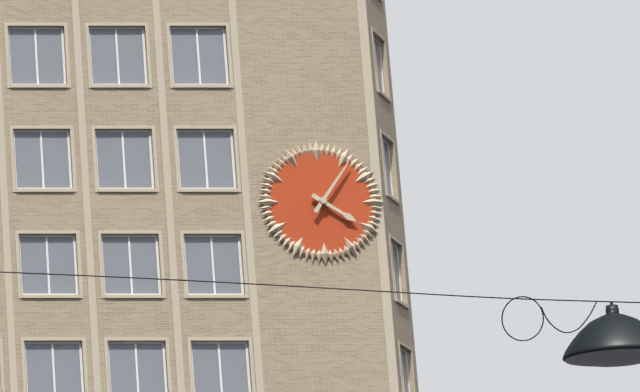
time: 4:06
